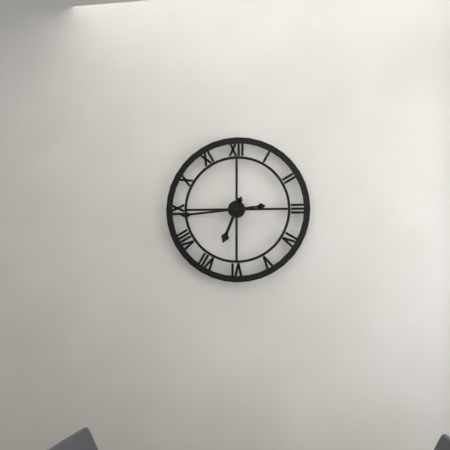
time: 6:44
